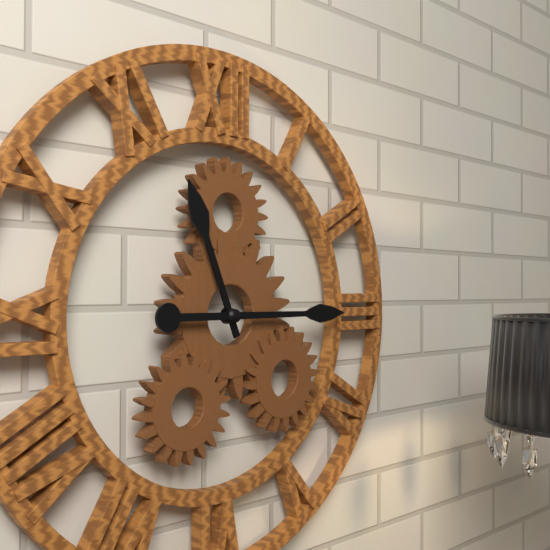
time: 11:15
